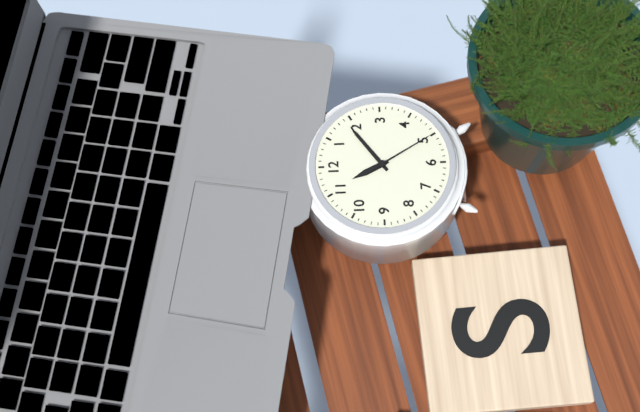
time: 11:09:25
